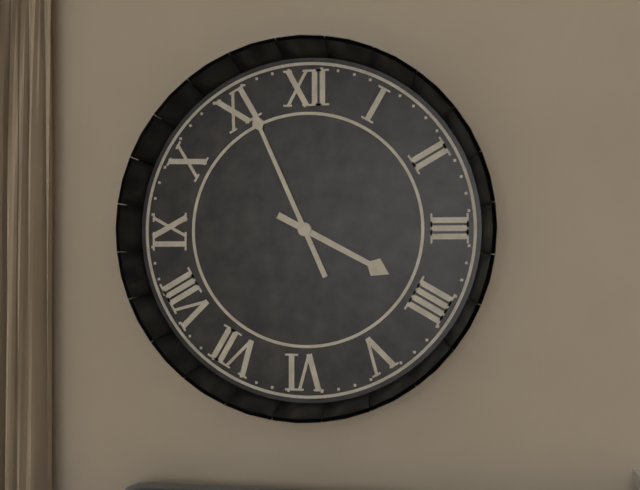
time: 3:56
